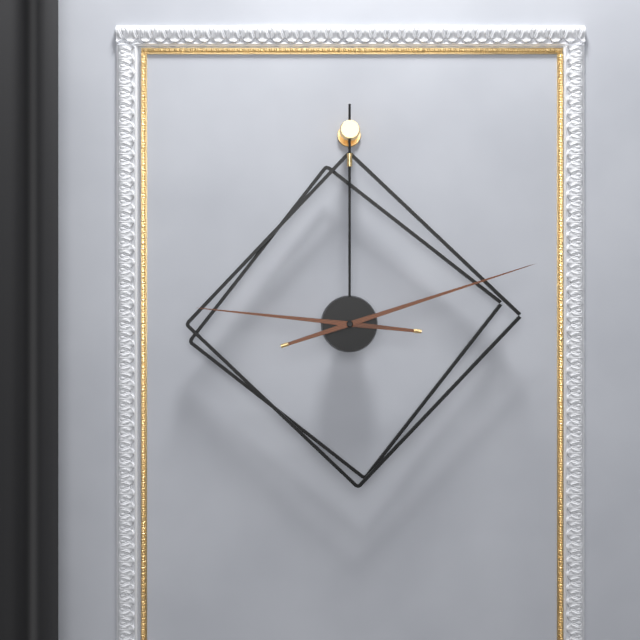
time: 9:12
